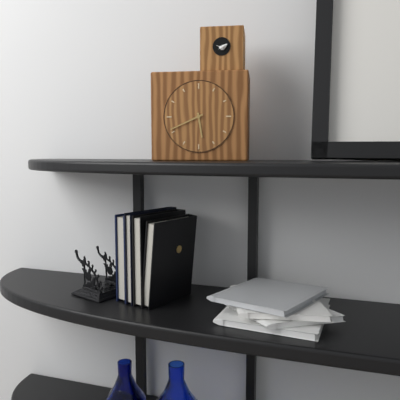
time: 5:41
